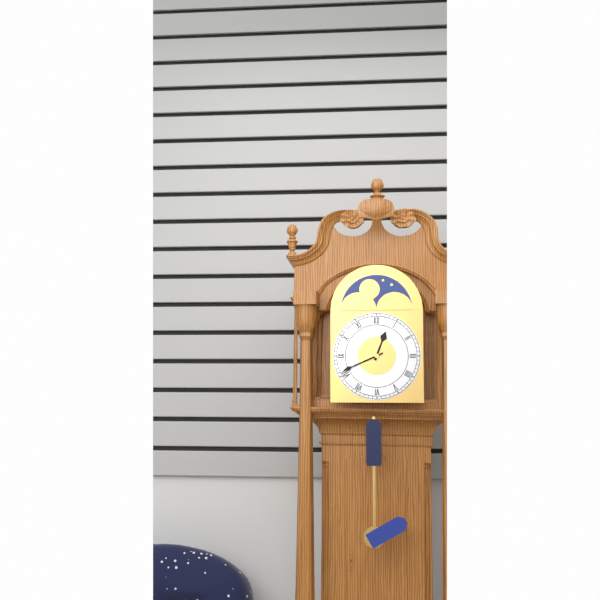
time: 12:41
